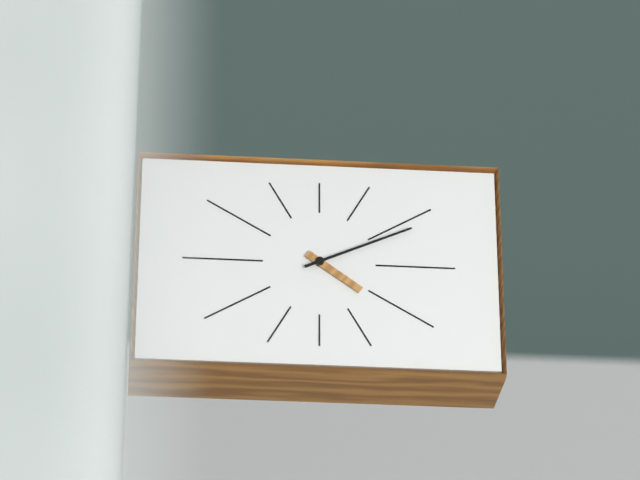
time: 4:11
